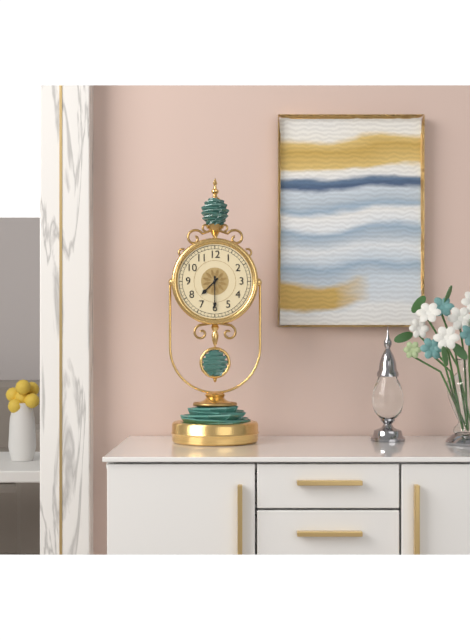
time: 7:30
